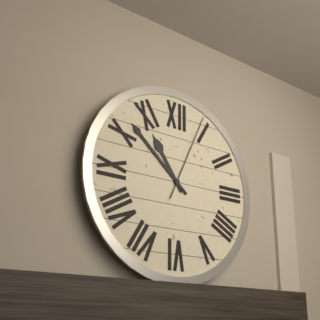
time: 10:52:04
